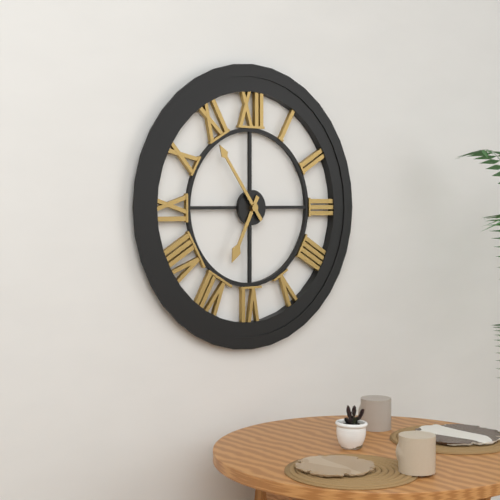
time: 6:54
